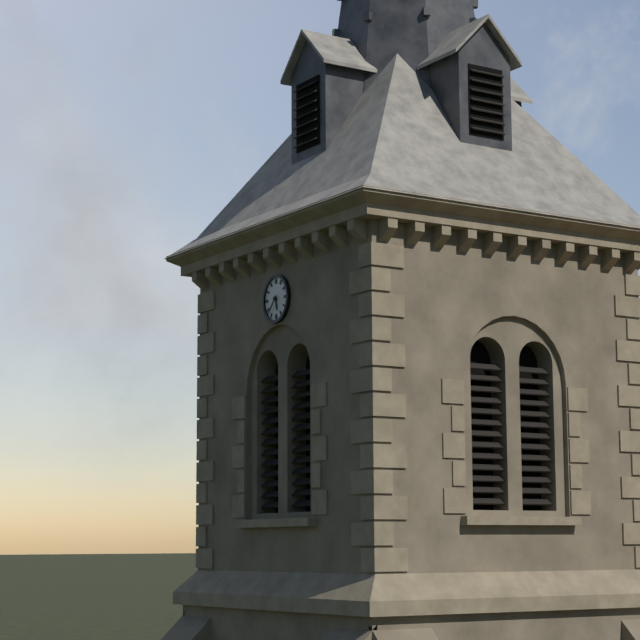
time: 5:37
